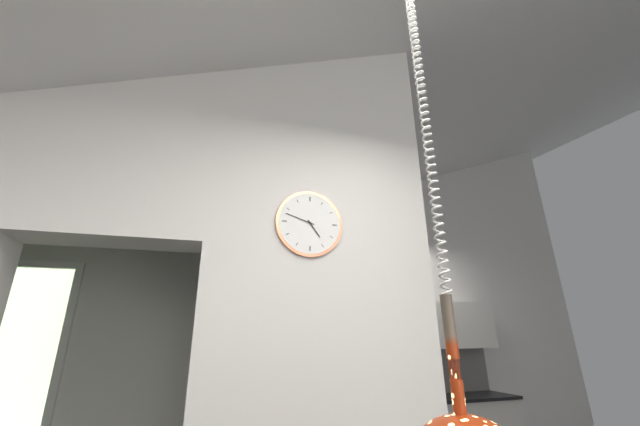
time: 4:48
